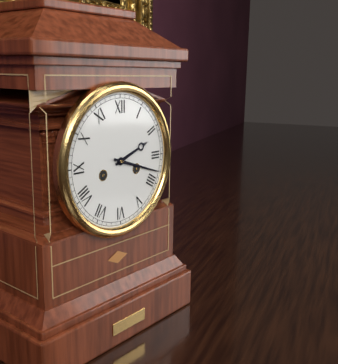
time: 2:18
